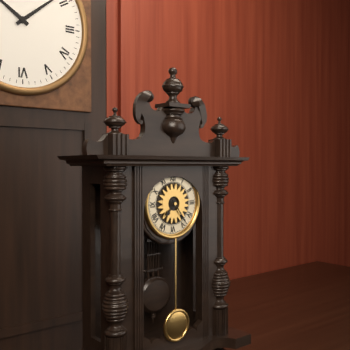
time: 7:24
